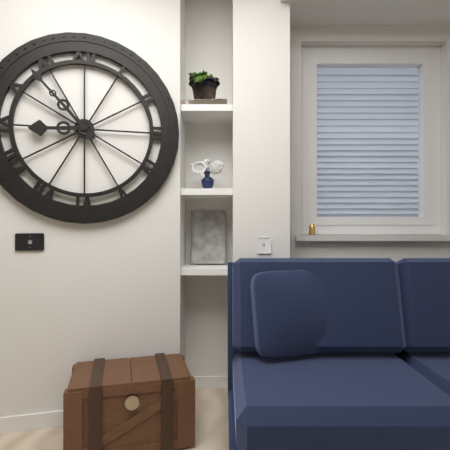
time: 8:53
